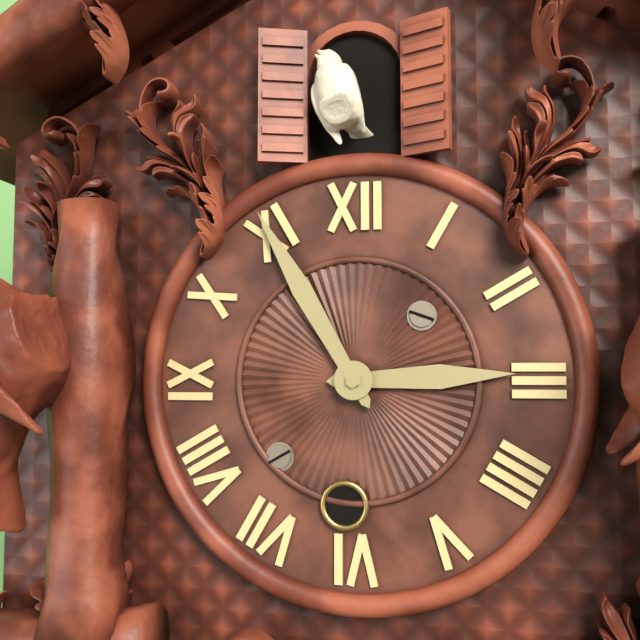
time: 2:55
